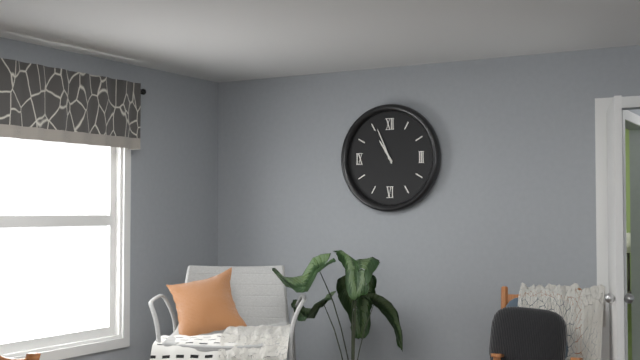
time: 10:56
